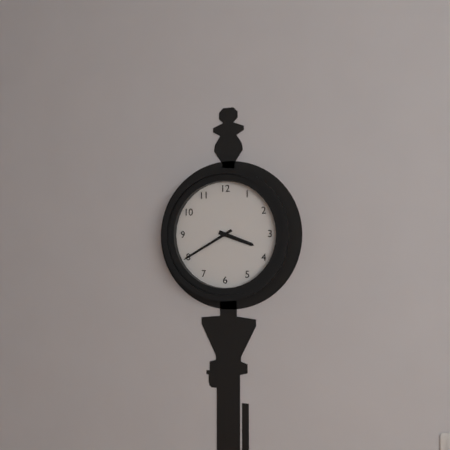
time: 3:40
